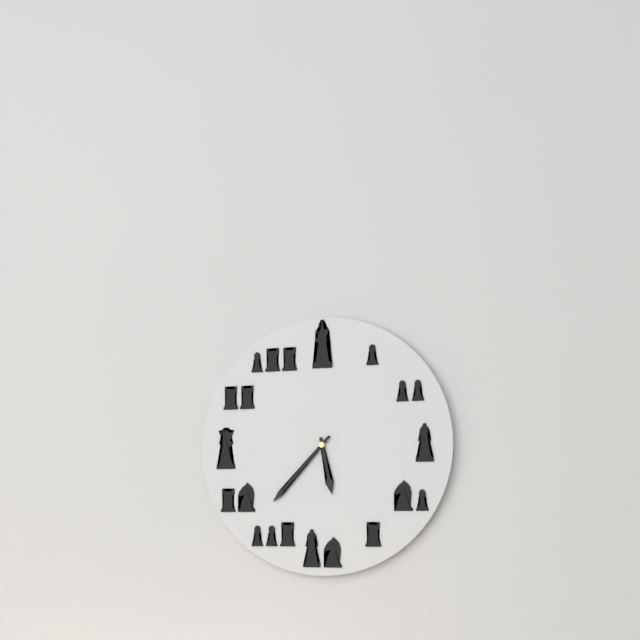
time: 5:37
